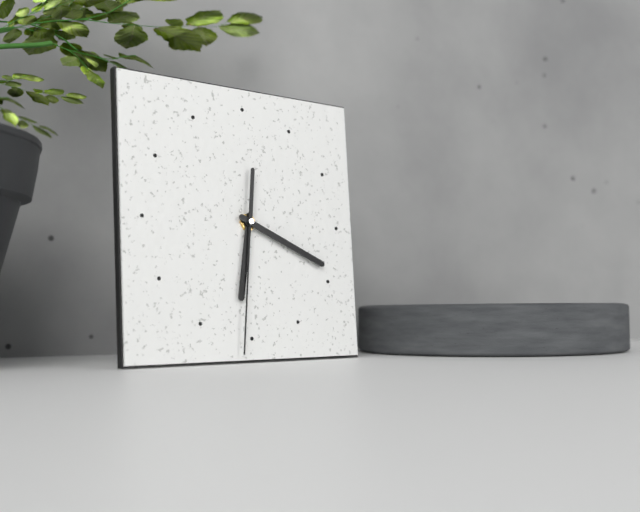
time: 6:19:31
